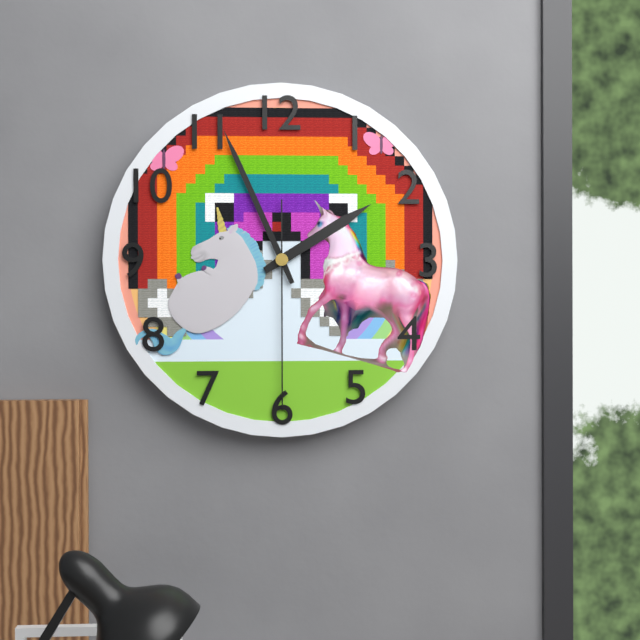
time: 1:56:30
